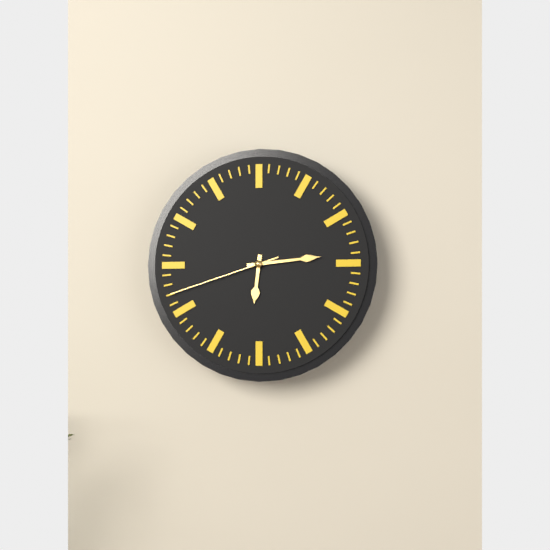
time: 6:14:42
